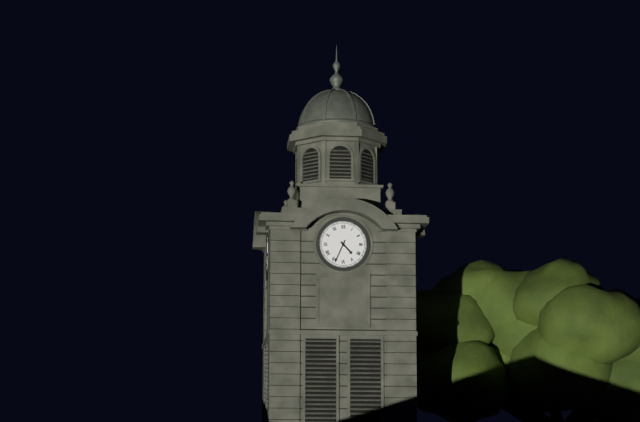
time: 4:34
